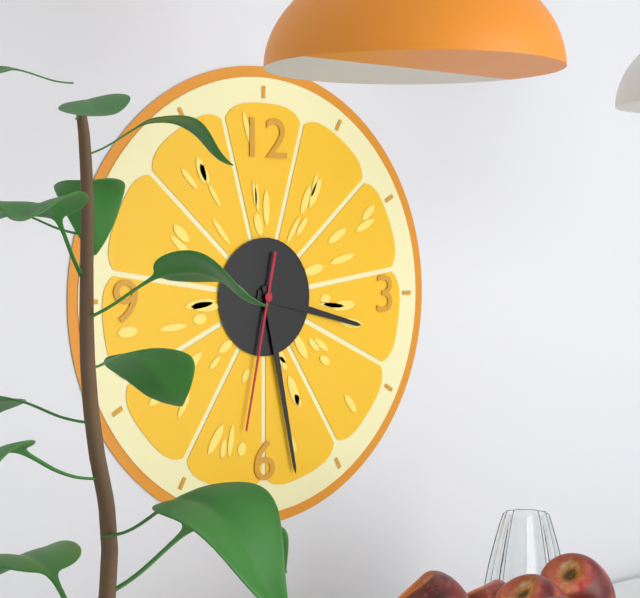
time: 3:28:32
